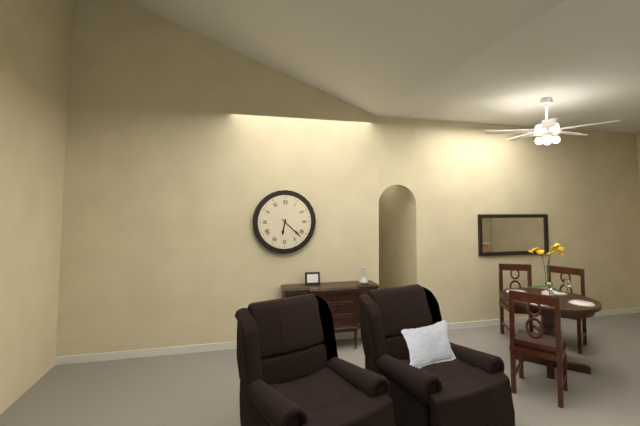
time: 6:22
